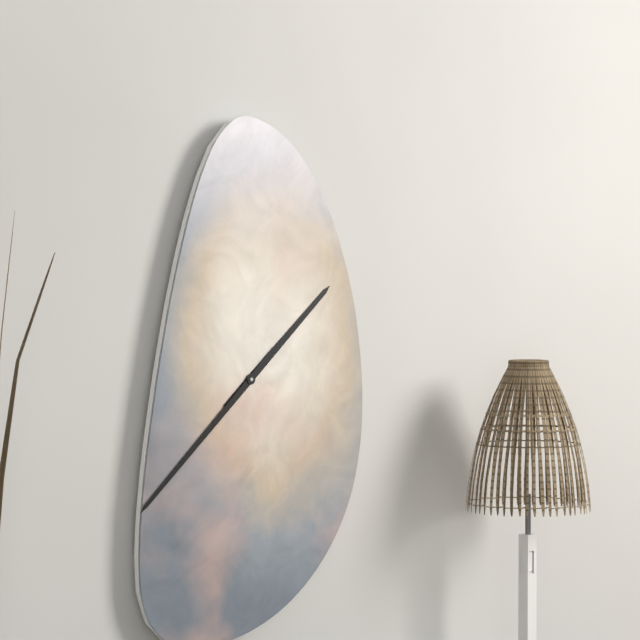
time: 1:38
